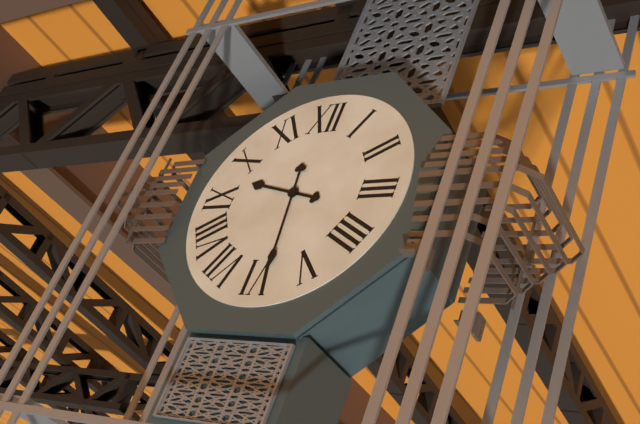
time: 9:29
